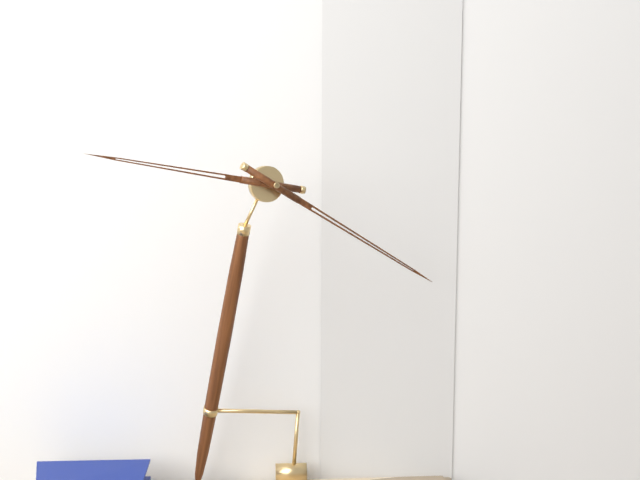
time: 9:20
